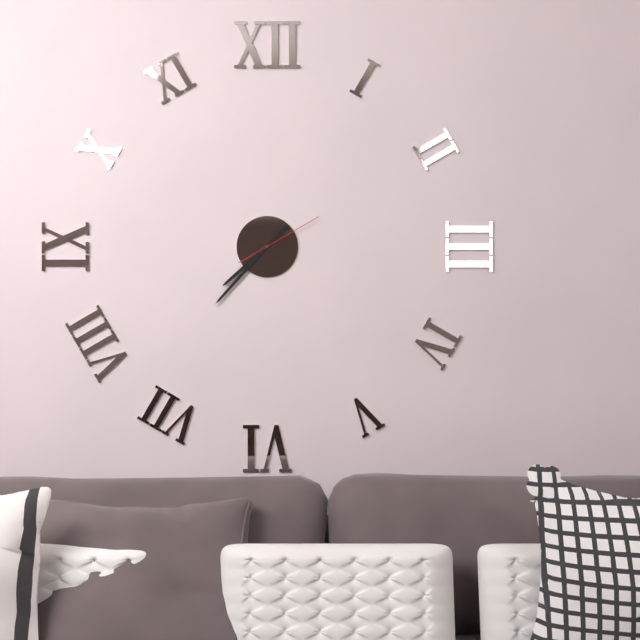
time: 7:37:10
